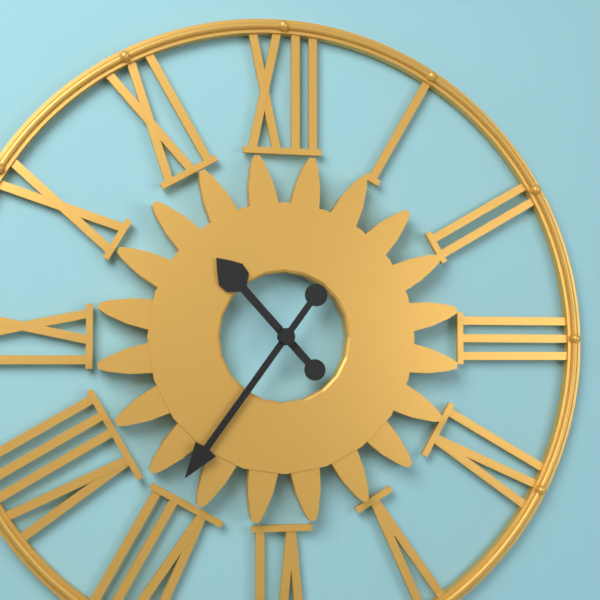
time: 10:36
